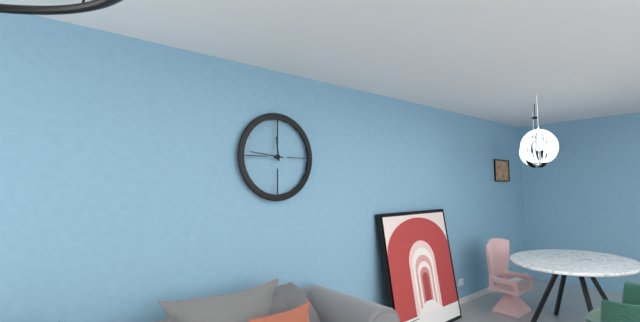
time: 11:46
